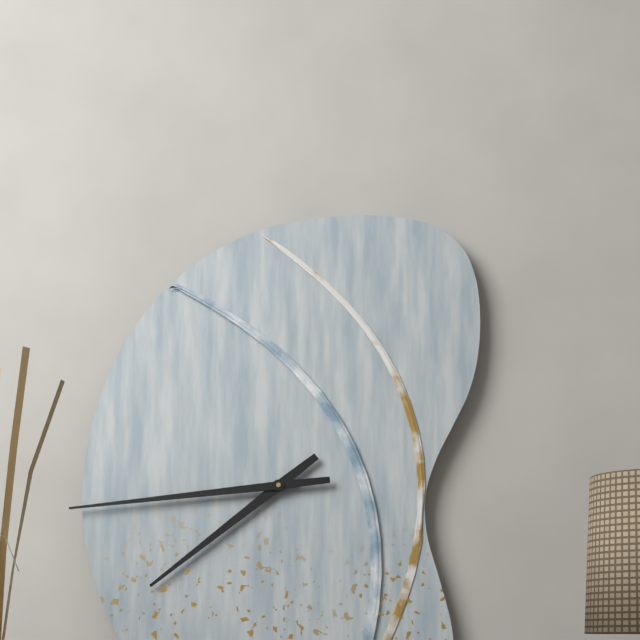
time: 7:44
